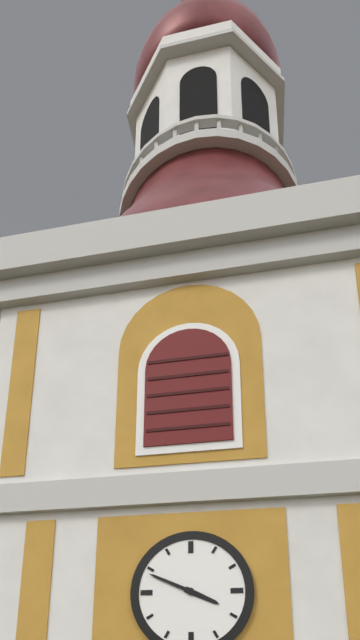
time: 3:49
